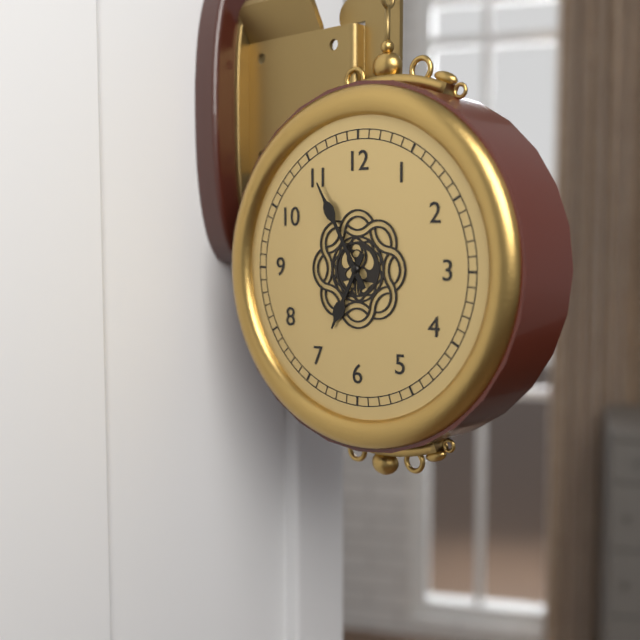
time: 6:55
